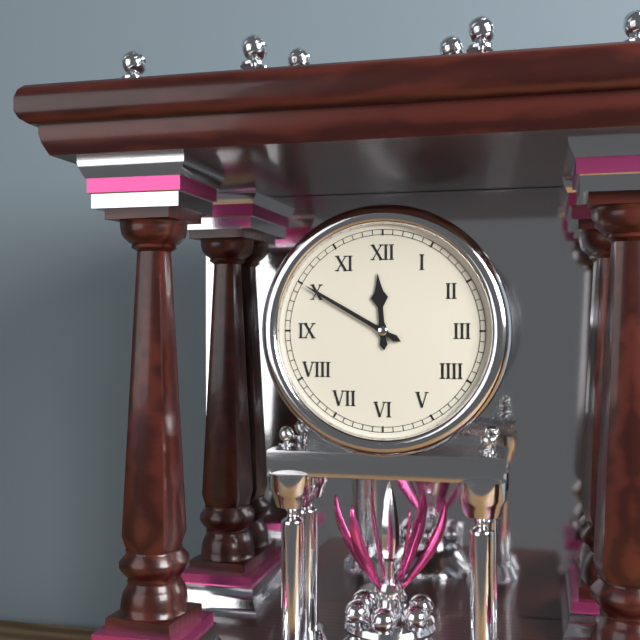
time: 11:50
